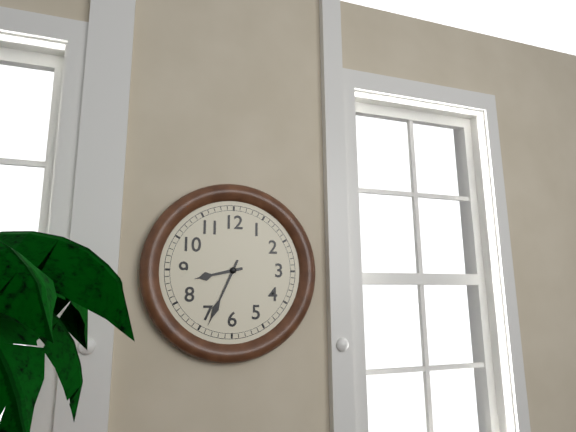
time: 8:34
